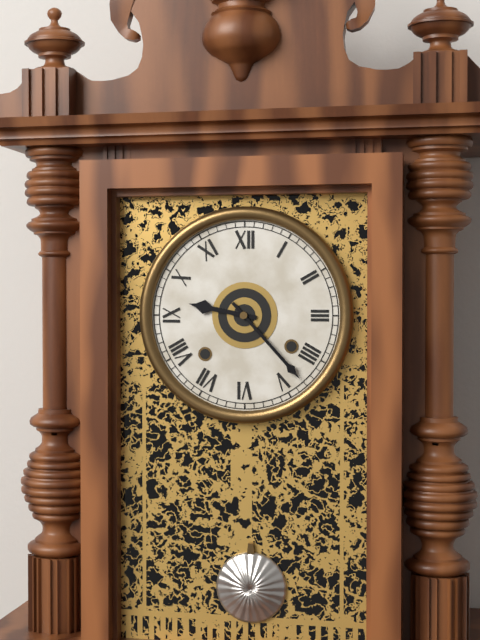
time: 9:23
